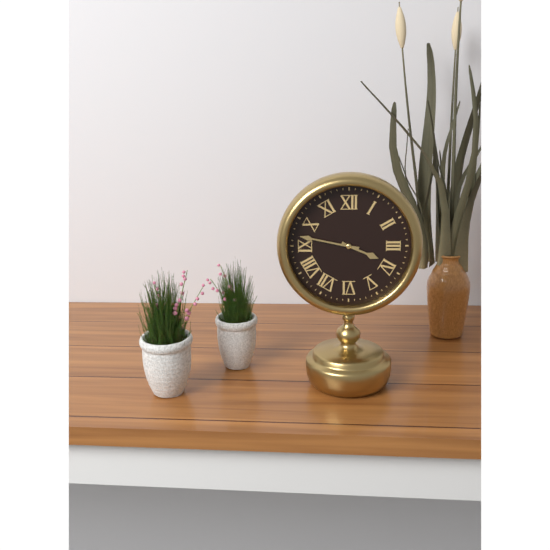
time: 3:47
